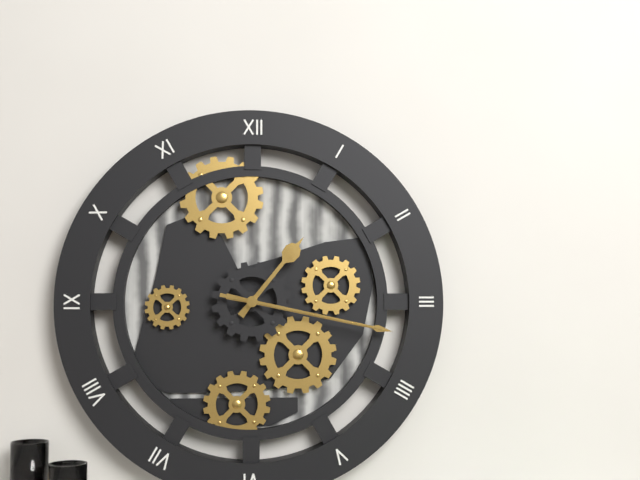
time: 1:17:17
